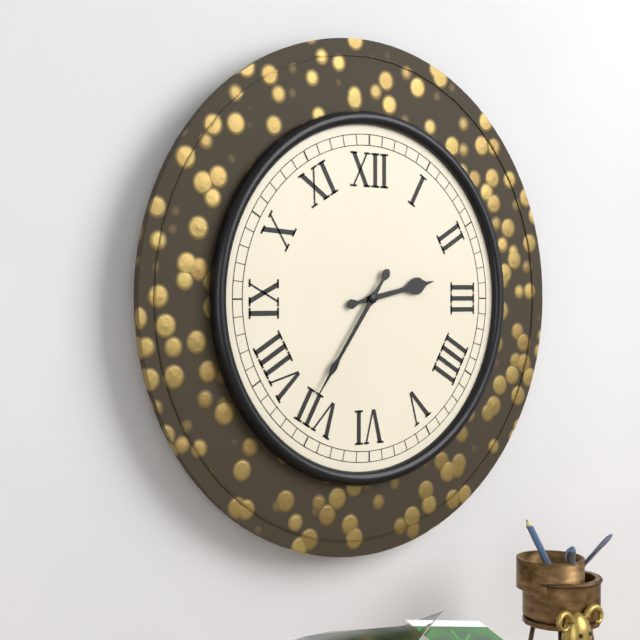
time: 2:36
